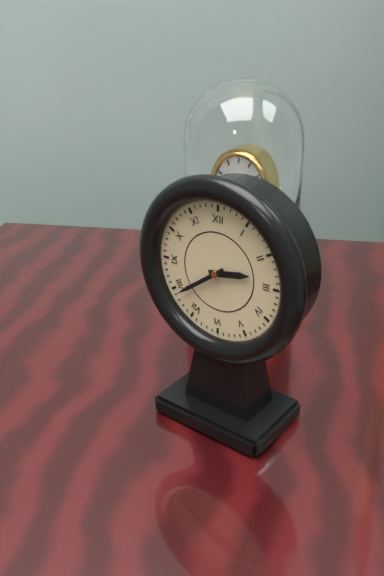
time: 2:39
